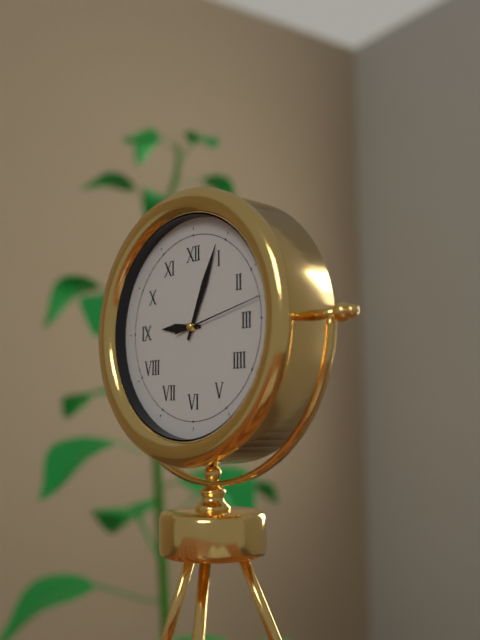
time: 9:04:13
